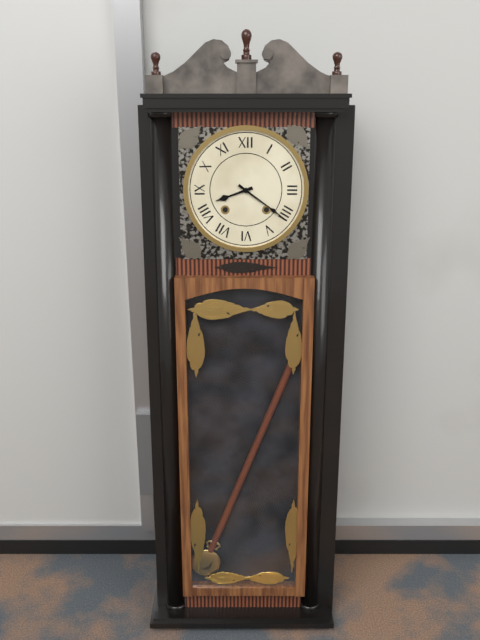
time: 8:21
